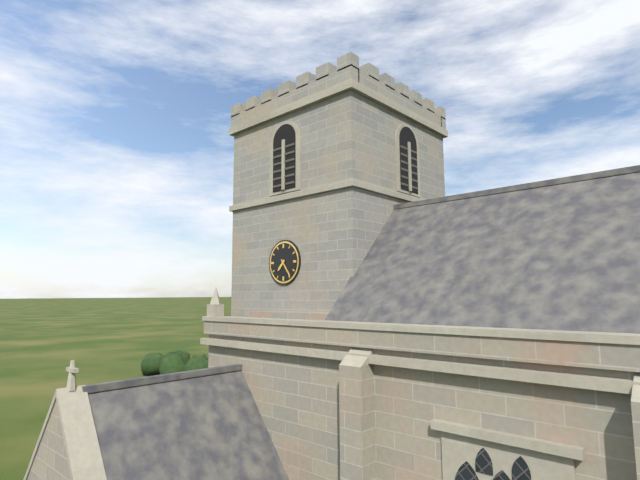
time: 7:24
